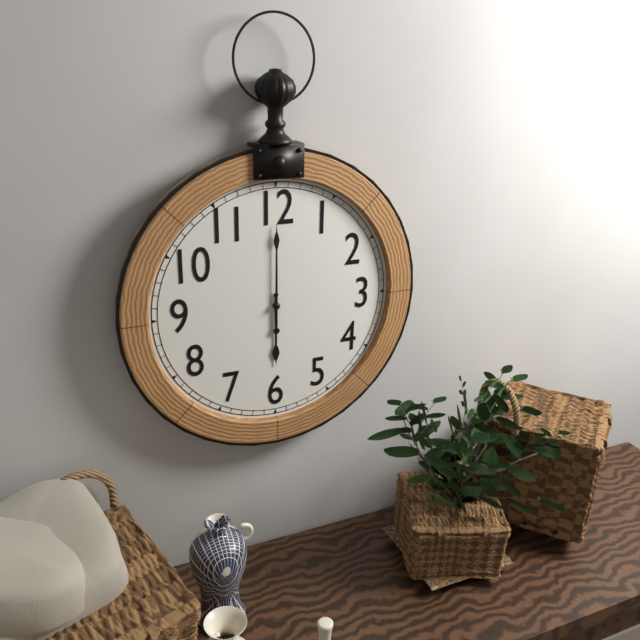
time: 6:00
